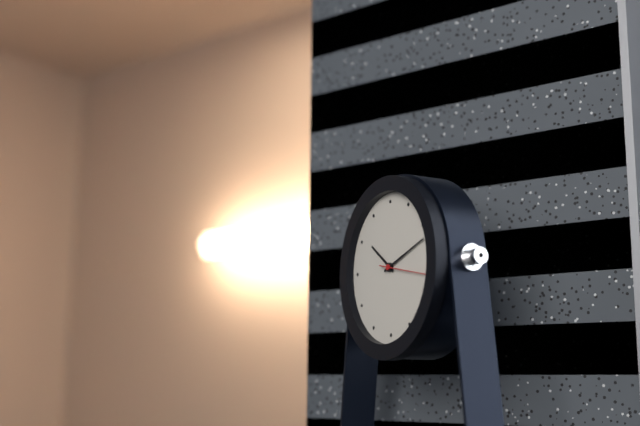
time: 10:12
